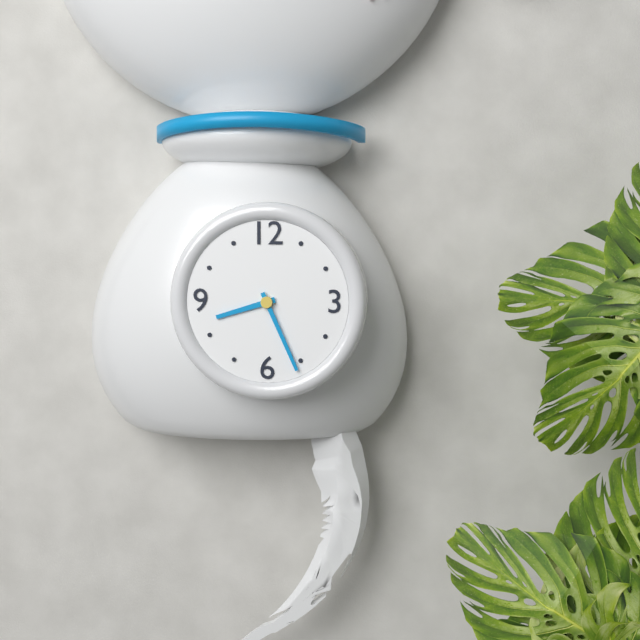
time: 8:26
